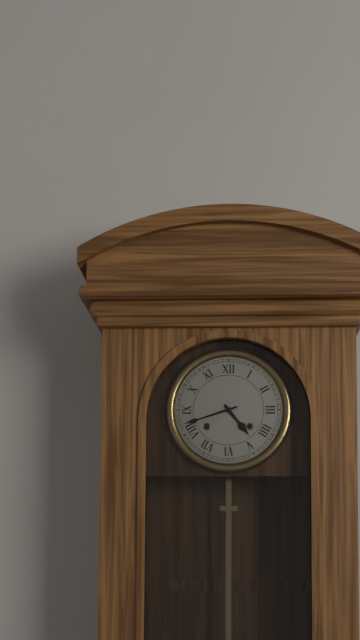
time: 4:42
